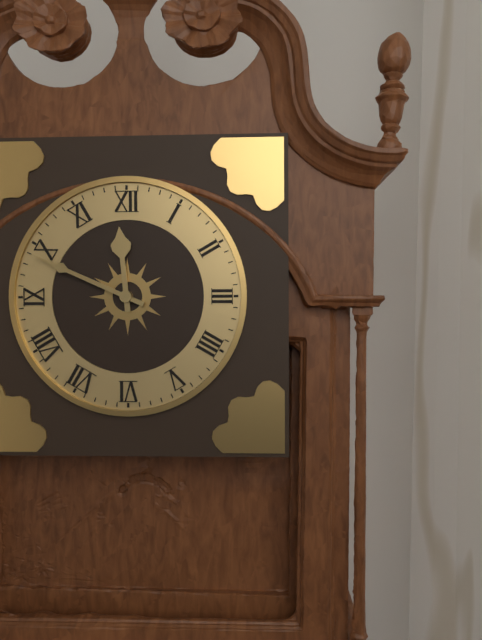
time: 11:49
